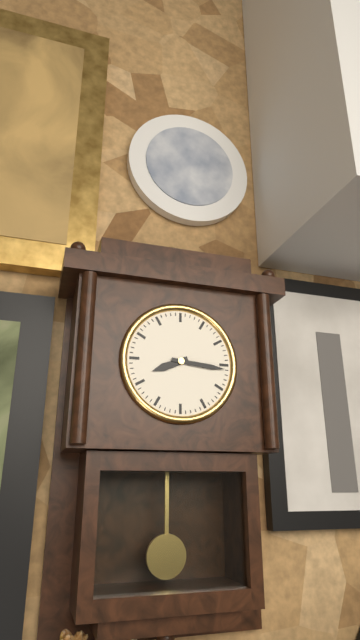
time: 8:16
